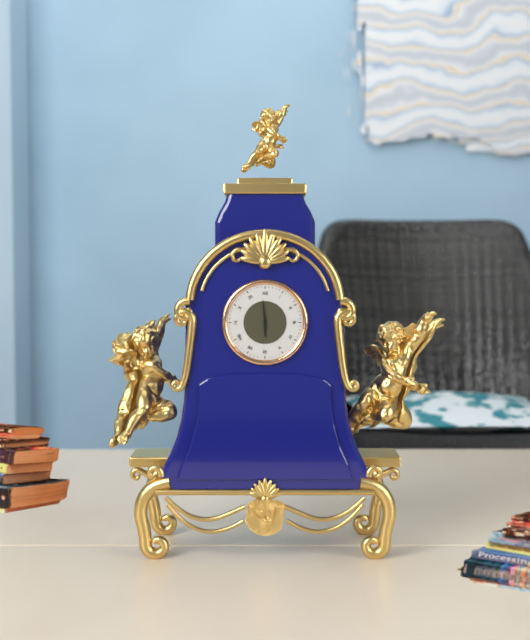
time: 5:59
